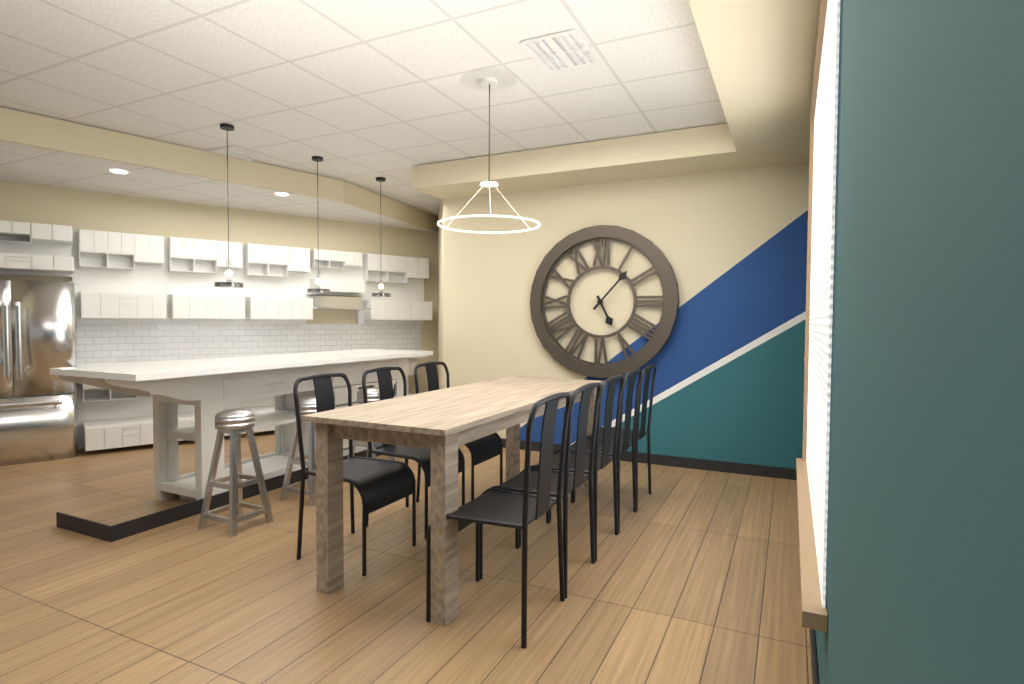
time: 5:07
